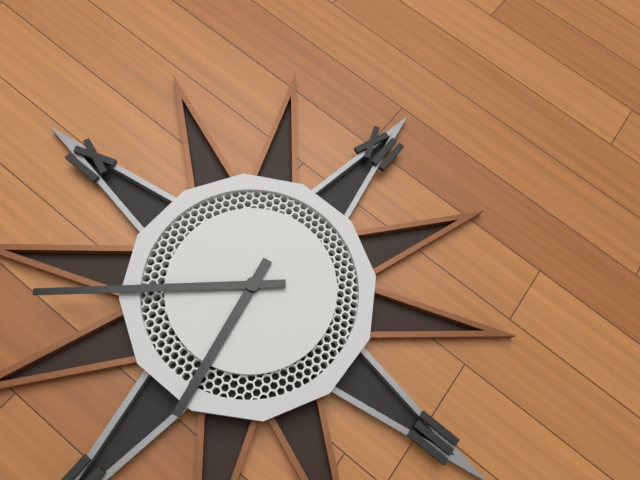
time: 5:38
